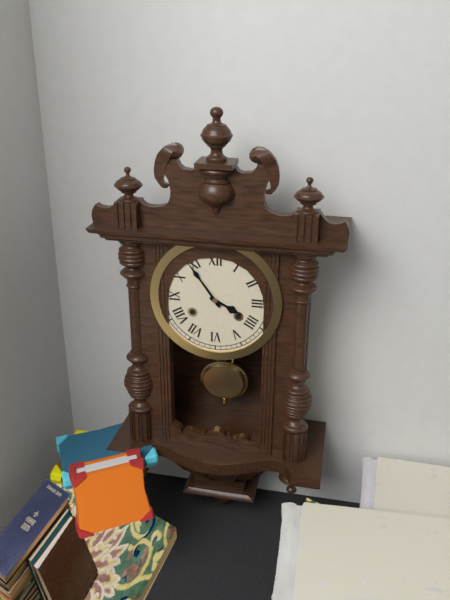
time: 3:54
